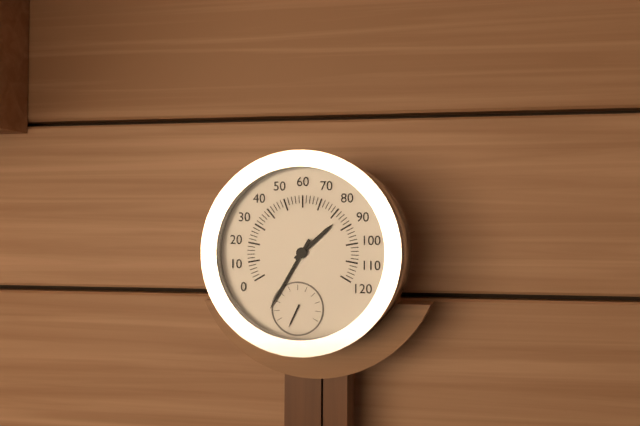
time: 1:35
